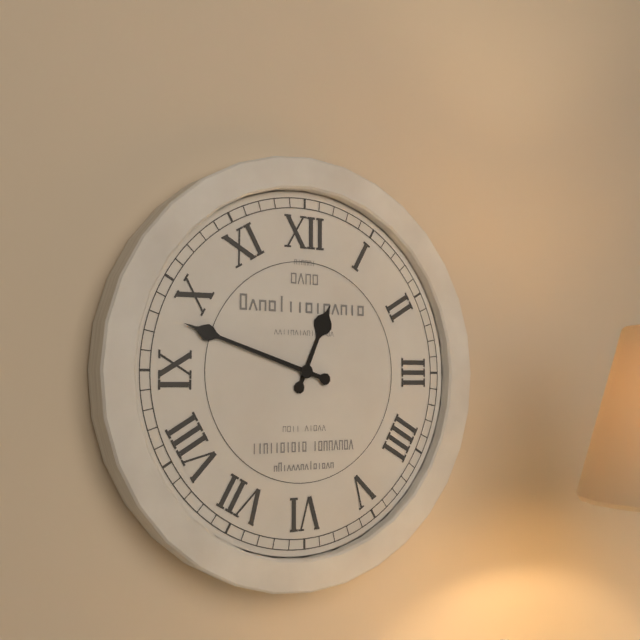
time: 12:48
